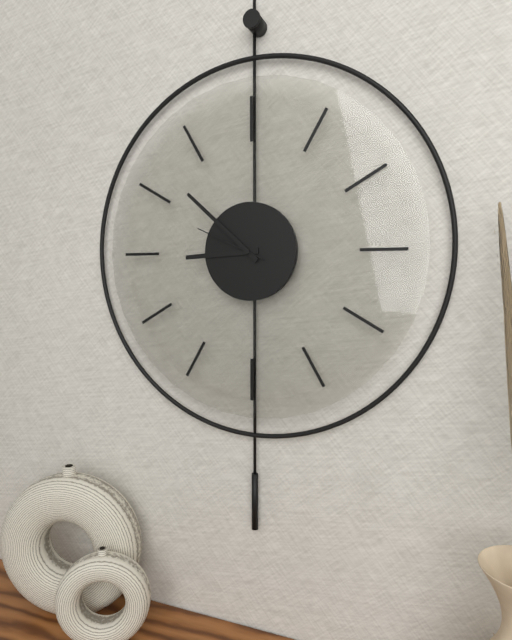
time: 8:52:49
